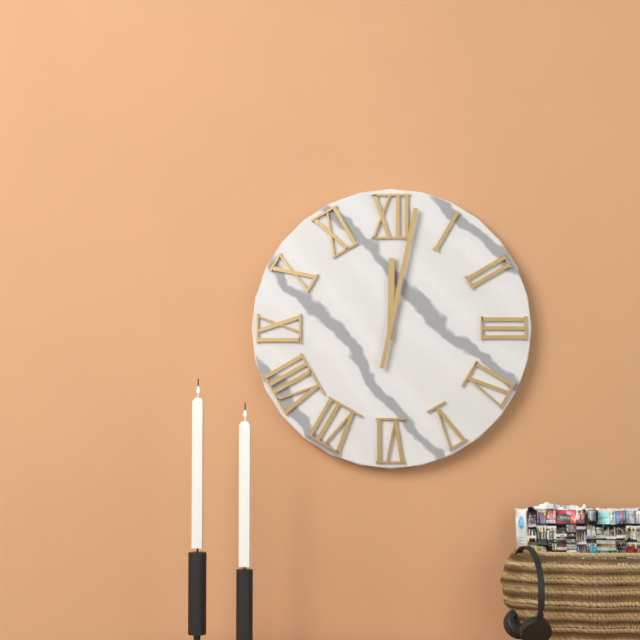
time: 12:02
